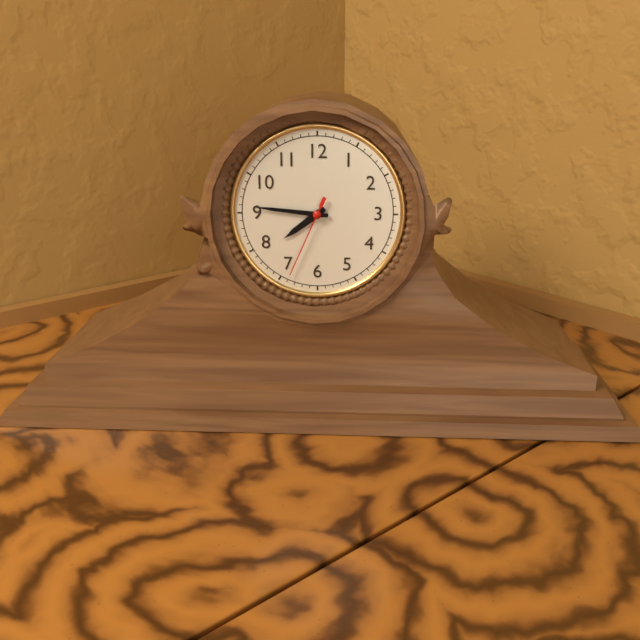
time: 7:46:34
